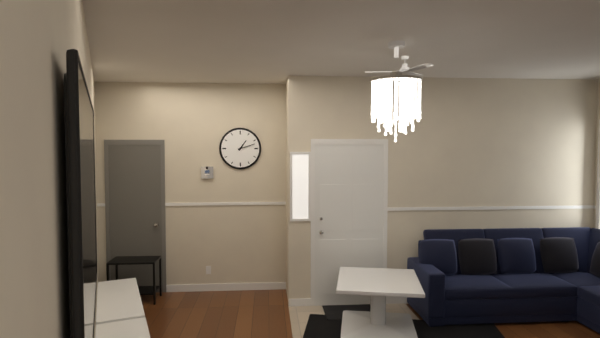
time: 1:12
